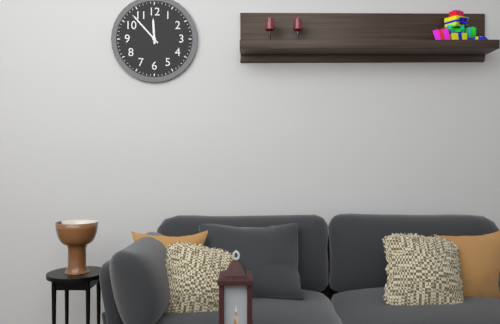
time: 11:53
